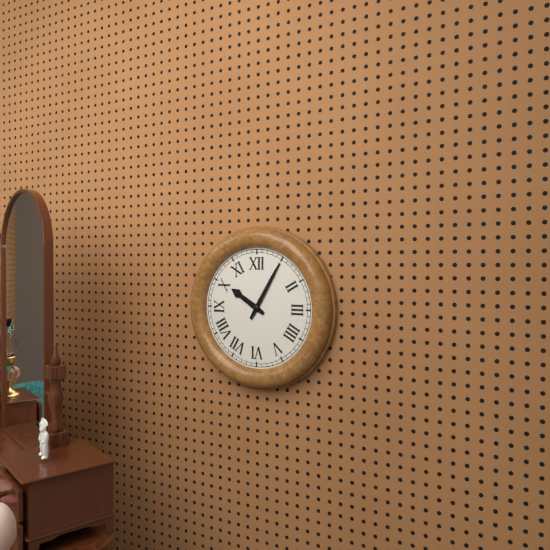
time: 10:05
